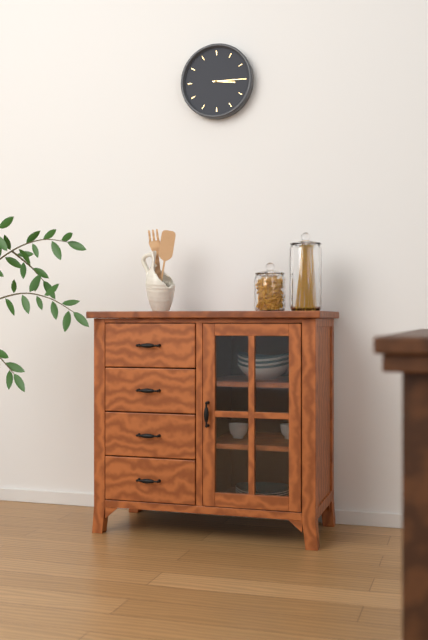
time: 3:15
